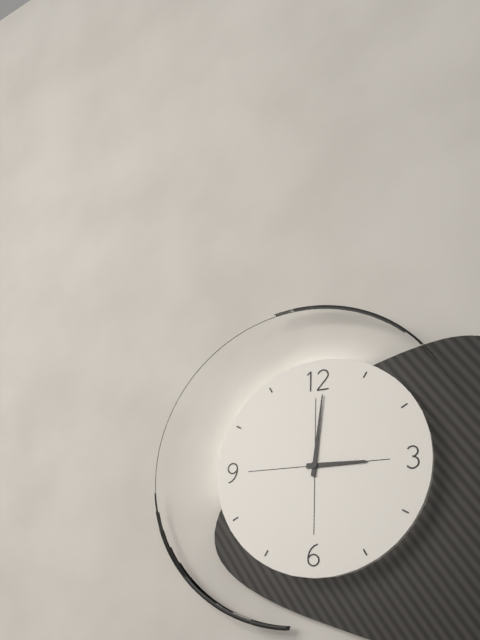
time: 3:01
